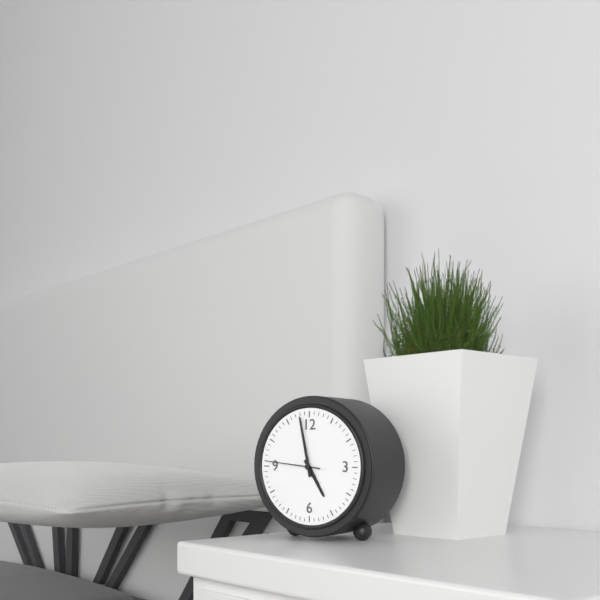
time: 4:58:46
